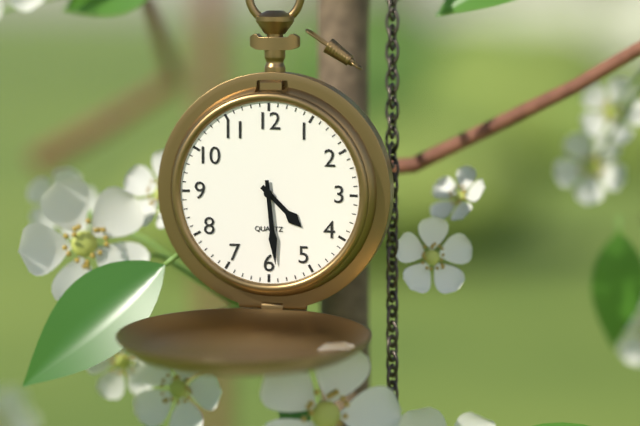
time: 4:29
